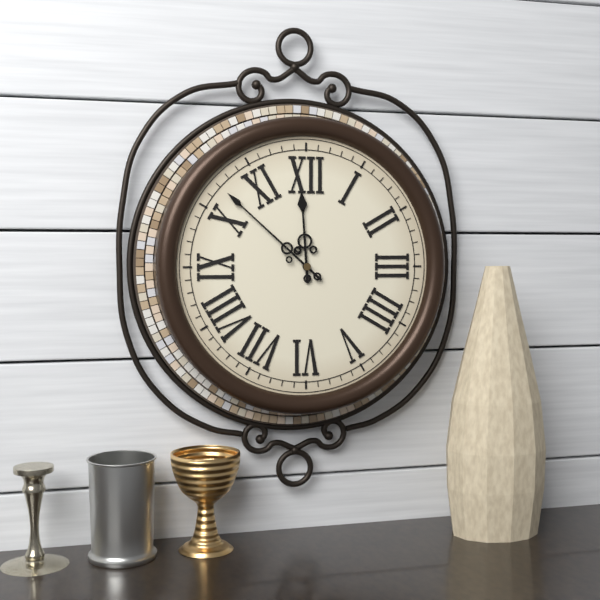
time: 11:52
